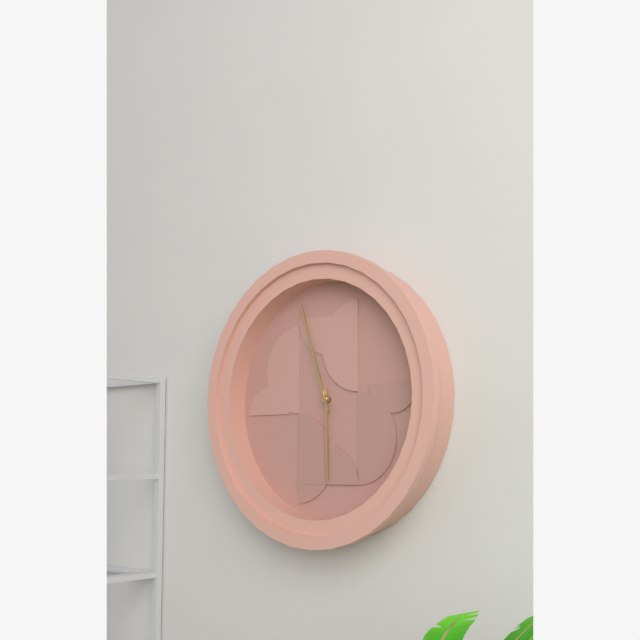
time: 5:57
